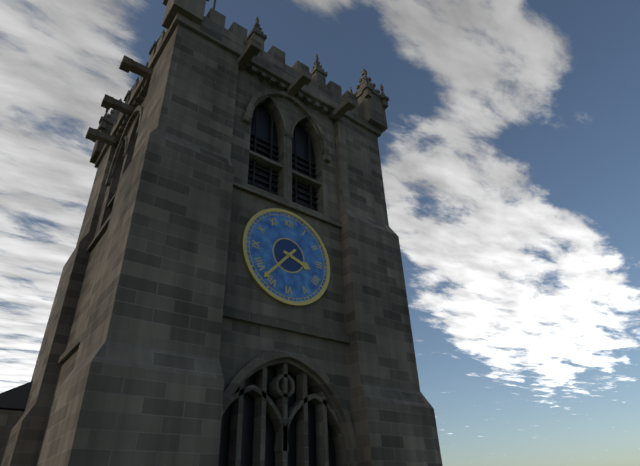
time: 3:37
